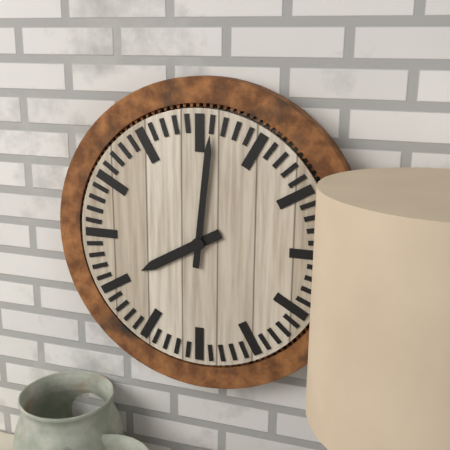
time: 8:01
